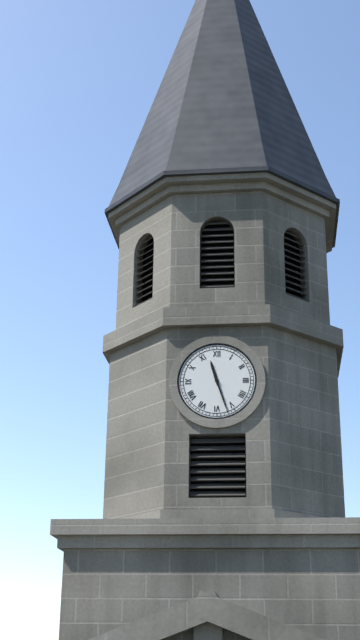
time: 11:27
